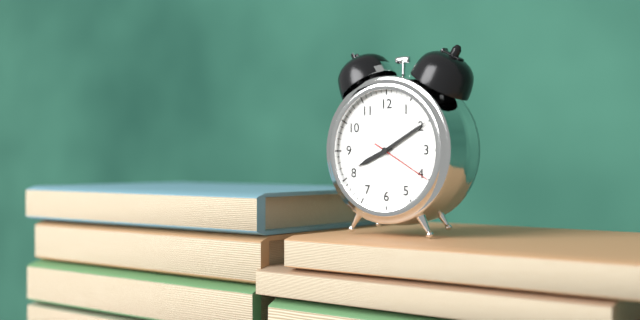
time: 8:10:20
